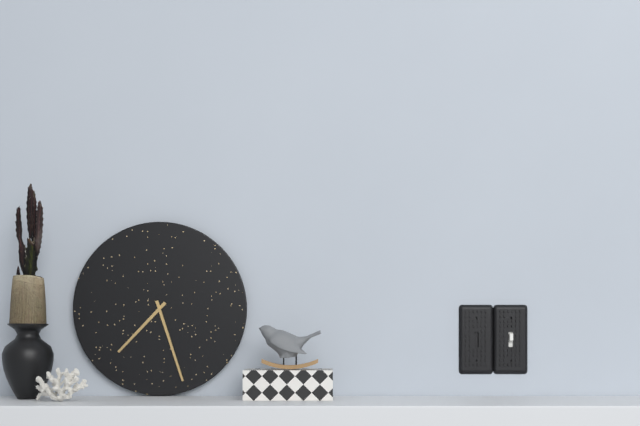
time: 7:27
